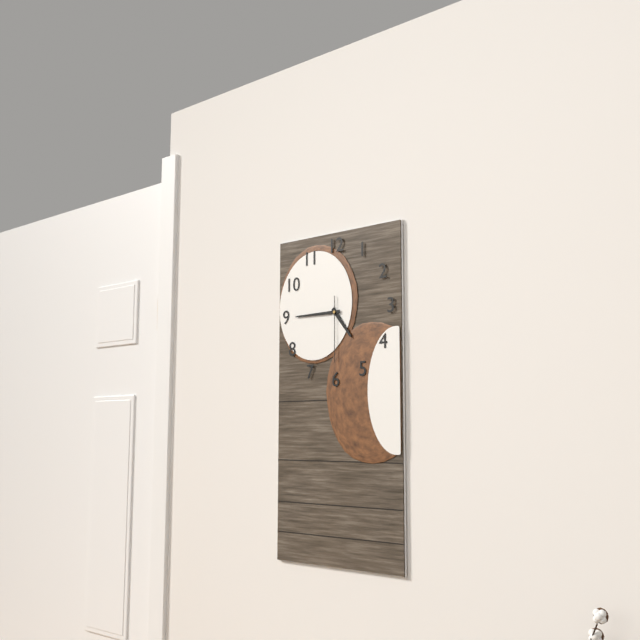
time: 4:45:30
